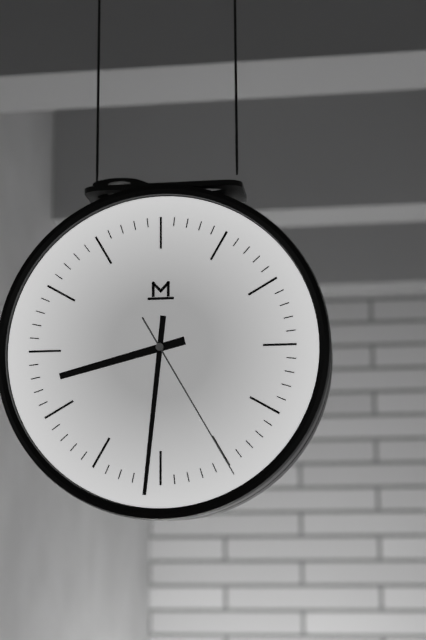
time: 8:31:25
